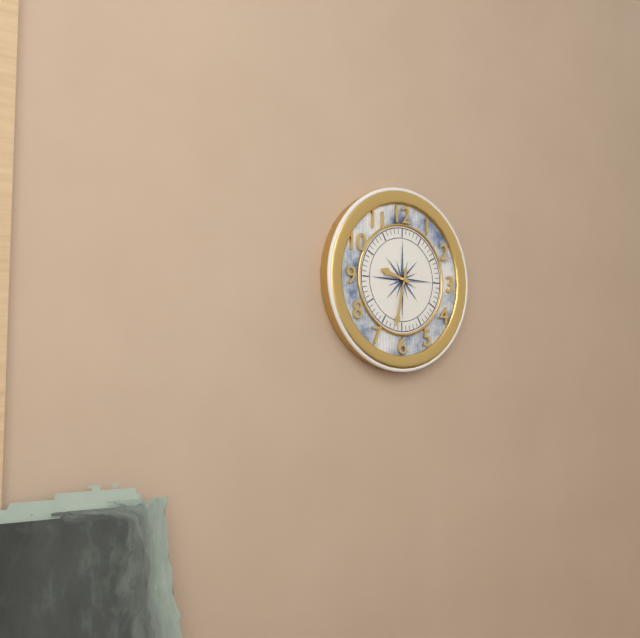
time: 9:32
